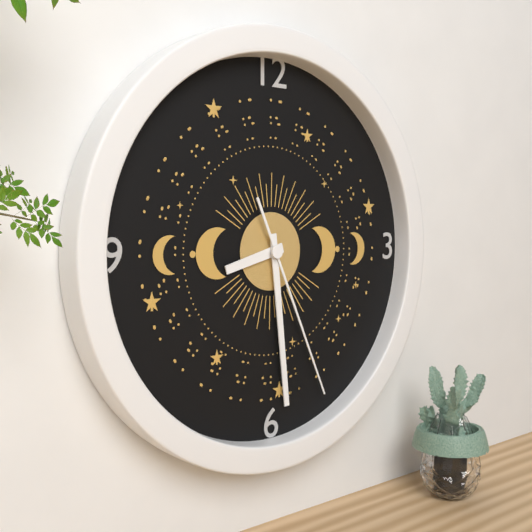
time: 8:29:26
